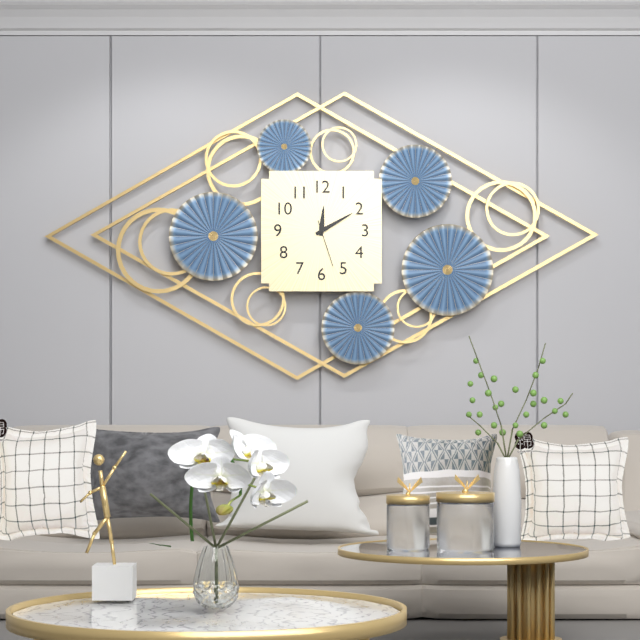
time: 12:10
